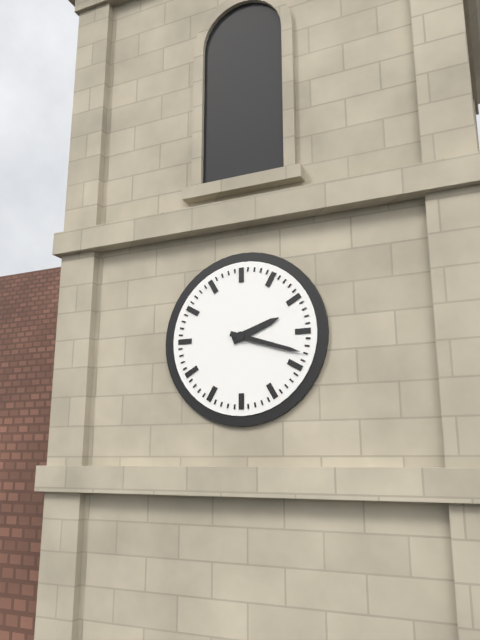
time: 2:18
